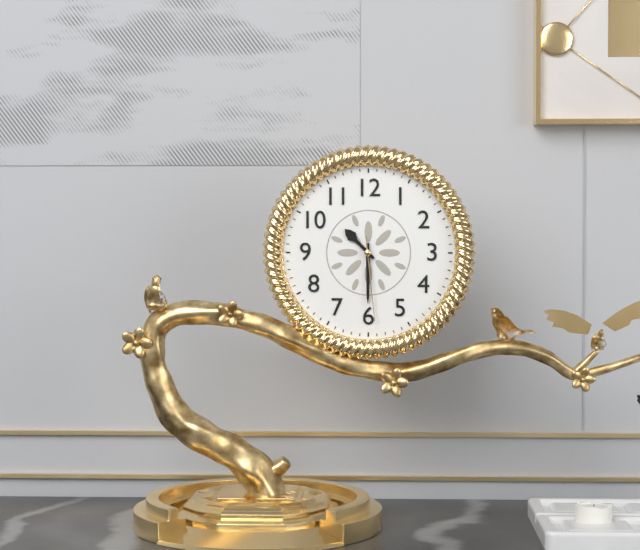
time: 10:30:29
